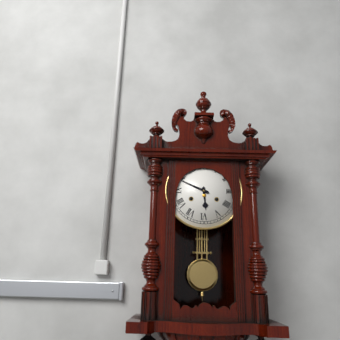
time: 5:49
